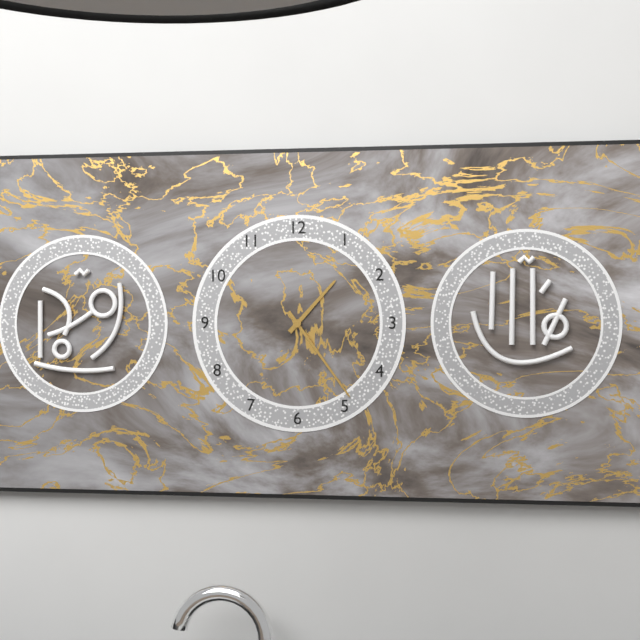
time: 1:24
